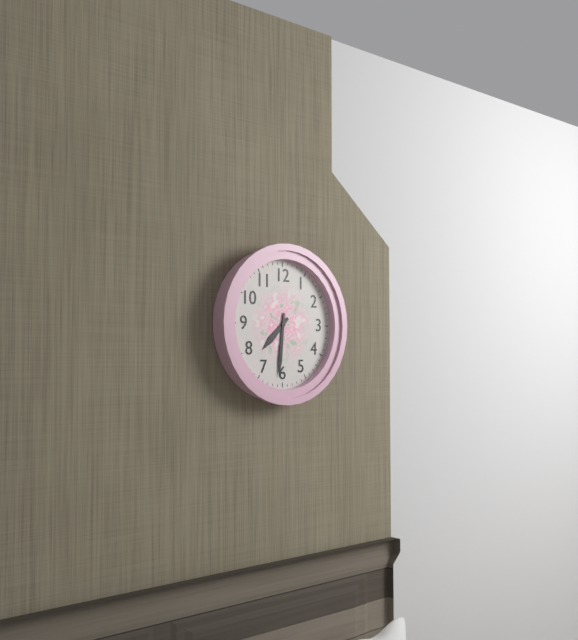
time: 7:31
